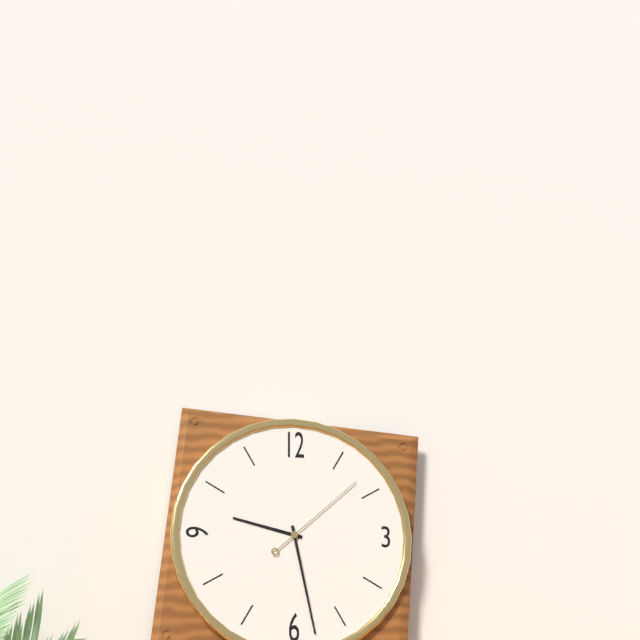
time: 9:28:08
